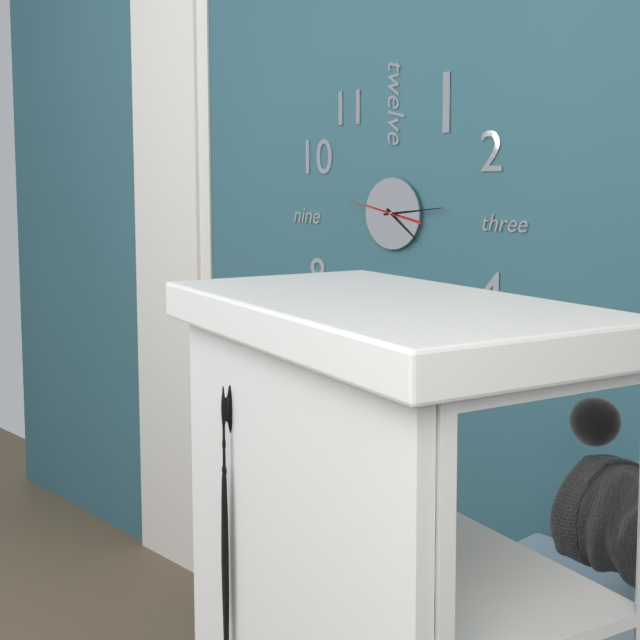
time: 4:14:47
